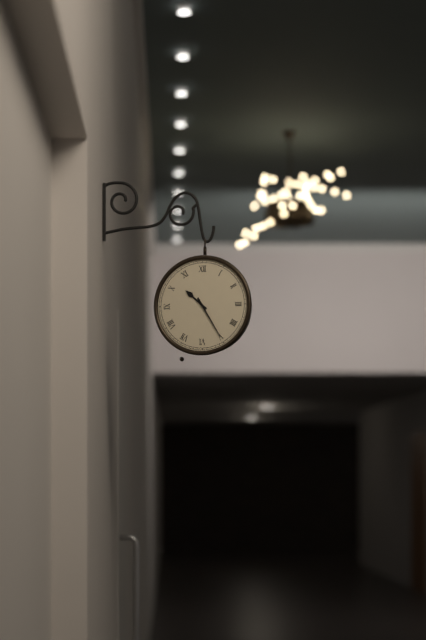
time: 10:25
